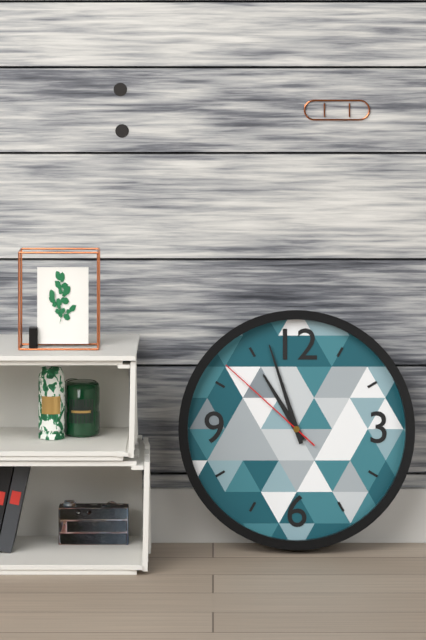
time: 10:57:52
